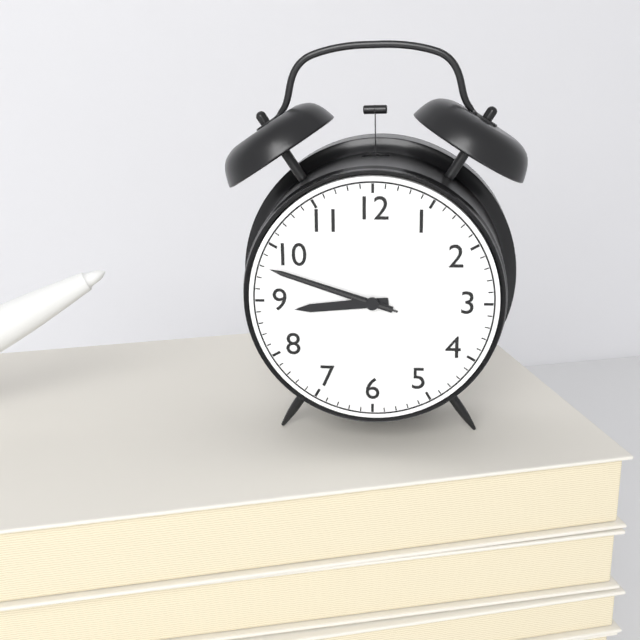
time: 8:48:48
